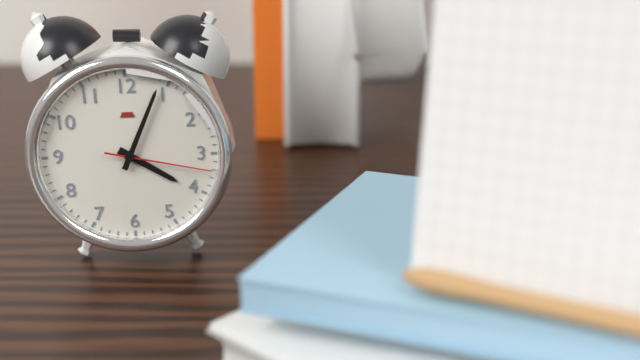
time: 4:04:17
